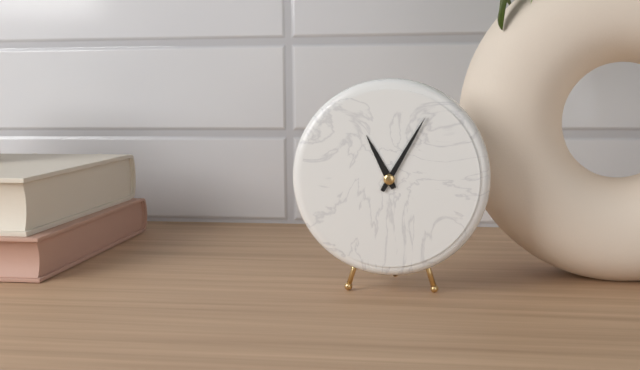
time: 11:05
